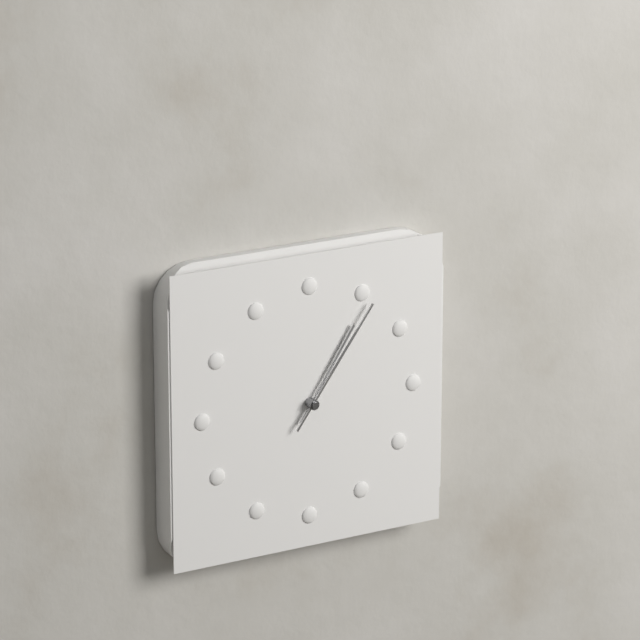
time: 1:06
